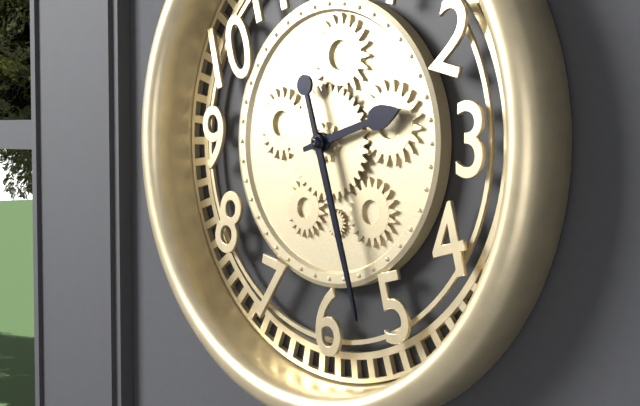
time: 2:27
